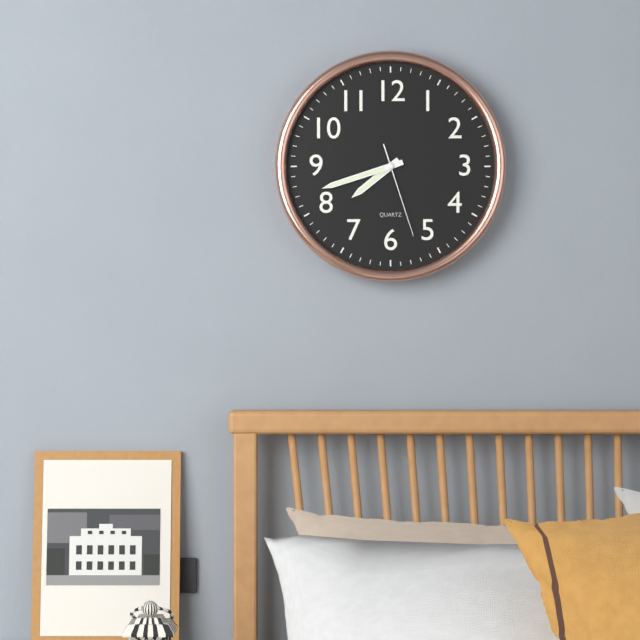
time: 7:42:27
